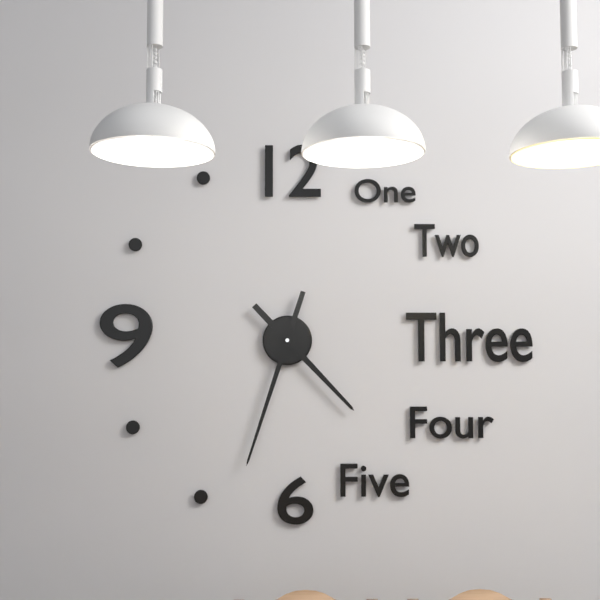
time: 4:33
